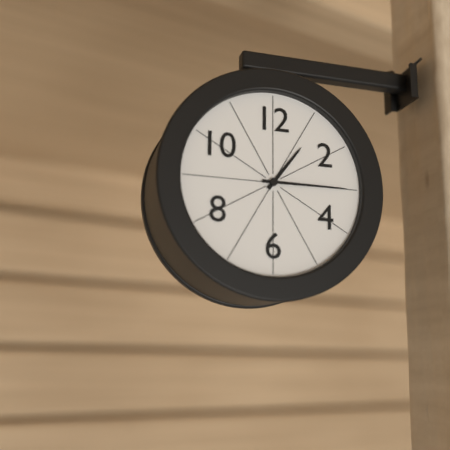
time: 1:15
